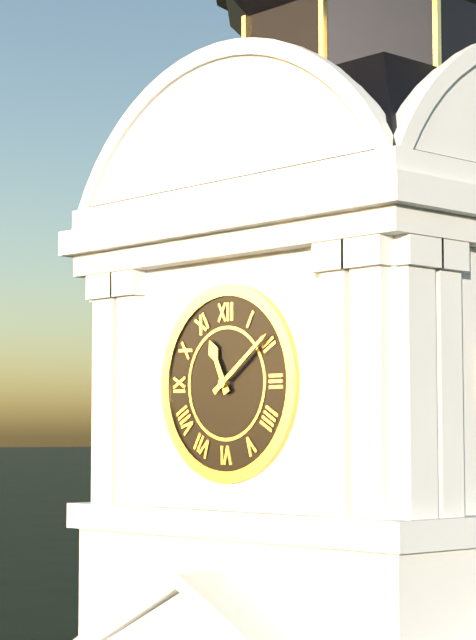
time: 11:09
